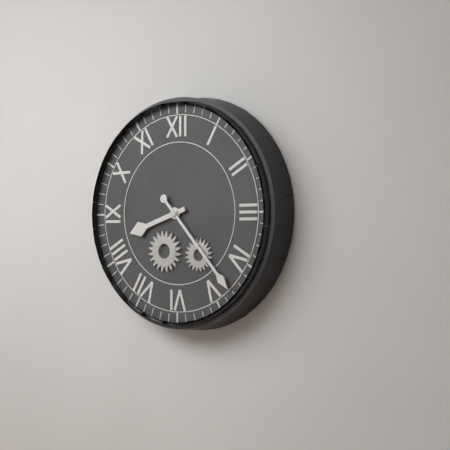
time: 8:23
